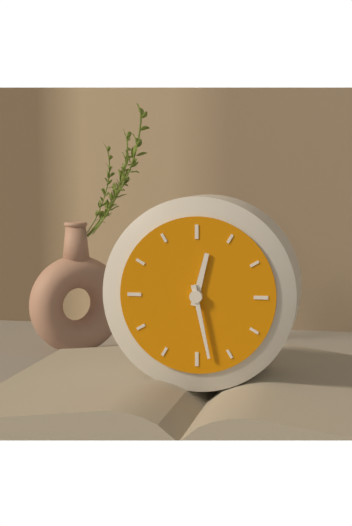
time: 12:28
